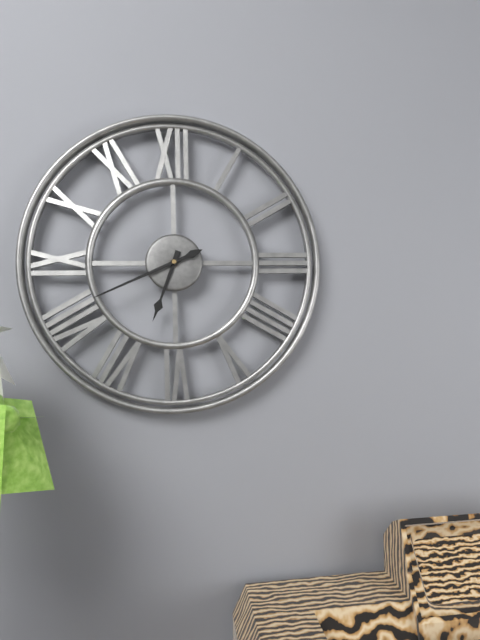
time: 6:41
